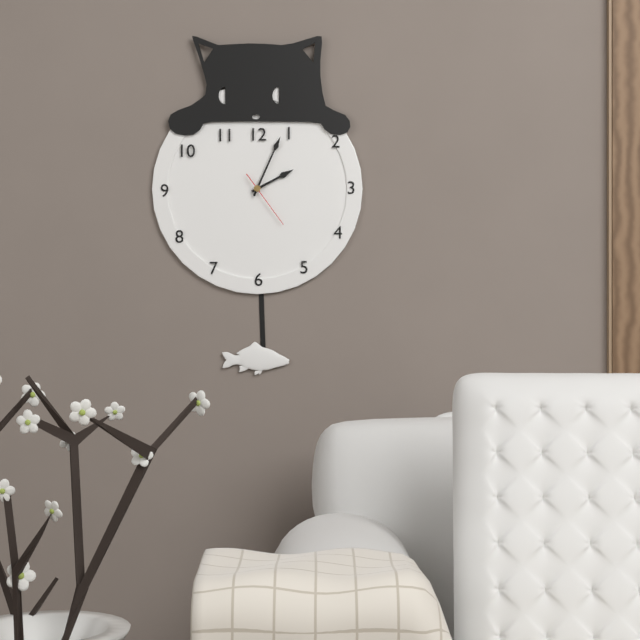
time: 2:04:24
